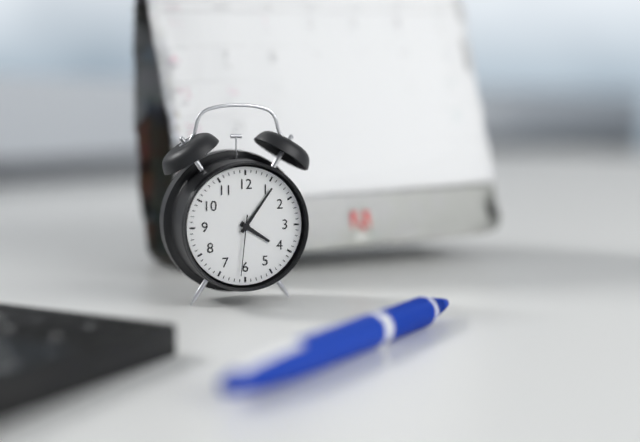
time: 4:06:31
